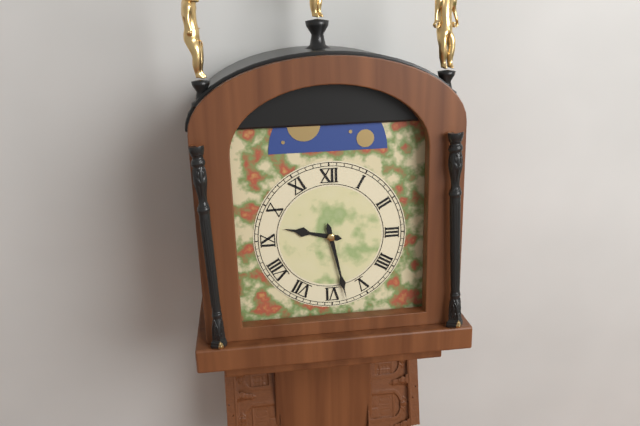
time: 9:28
